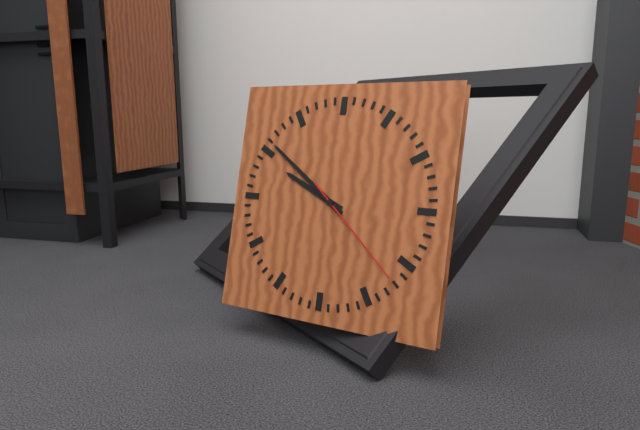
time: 9:51:22
